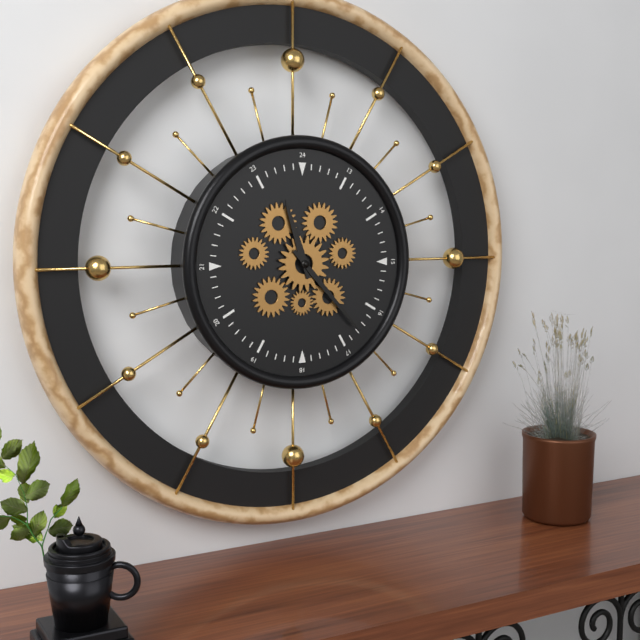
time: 11:23
